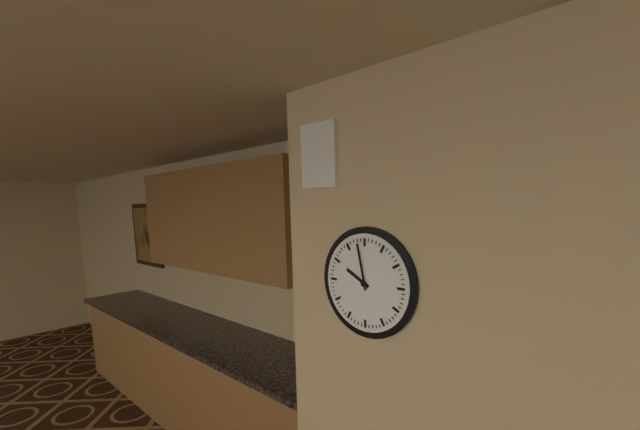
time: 9:58
